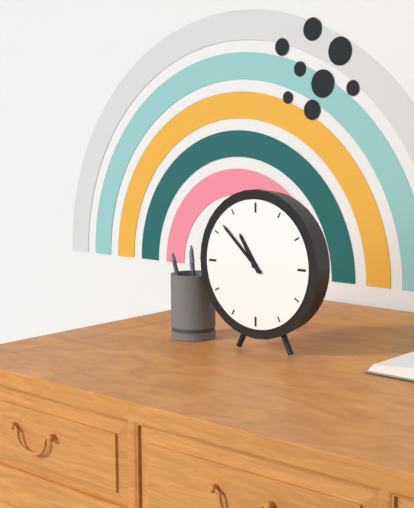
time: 10:52
